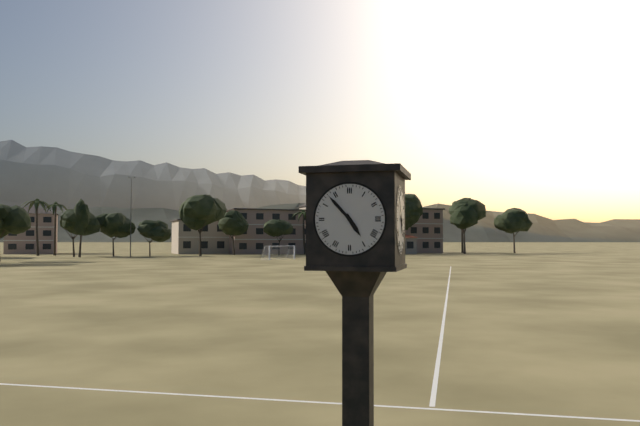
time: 4:53
